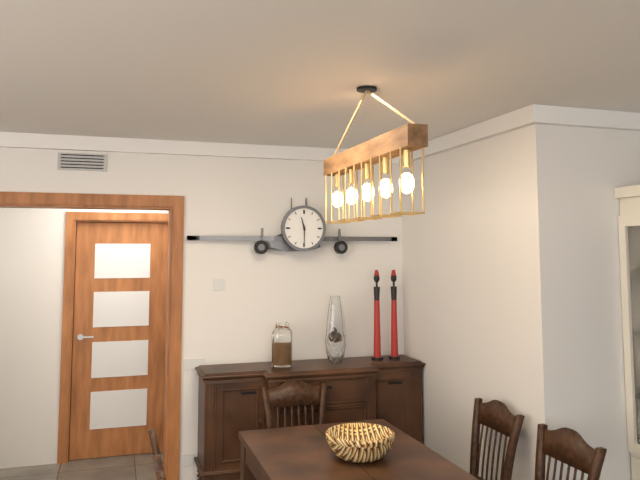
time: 11:30
